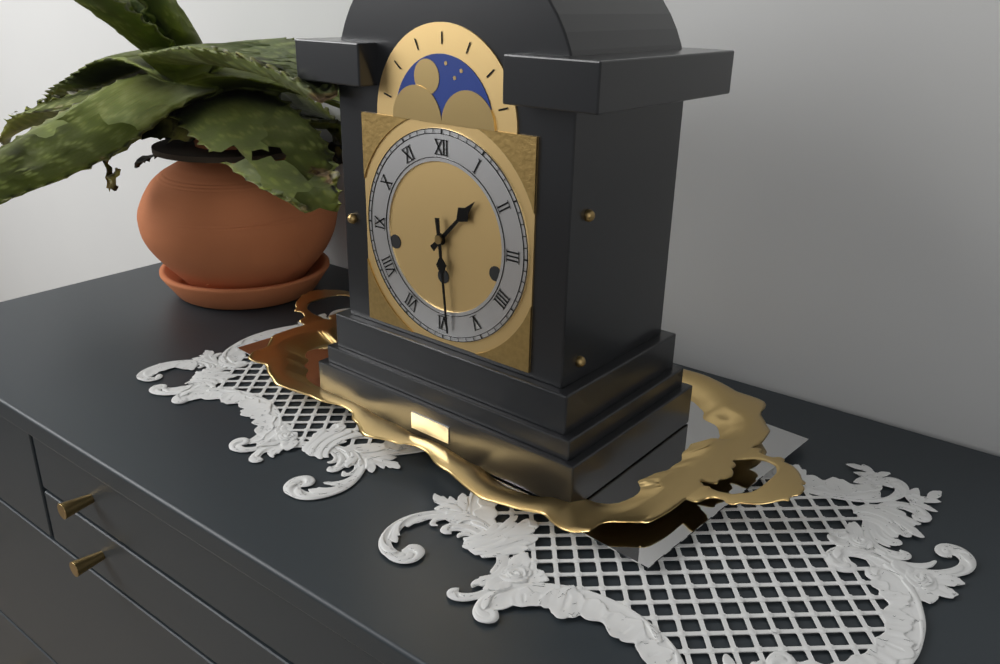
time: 1:29
